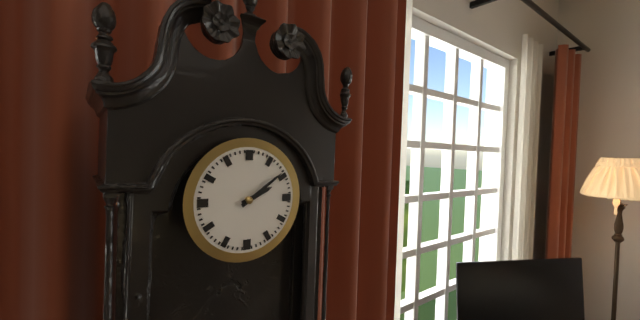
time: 2:09
